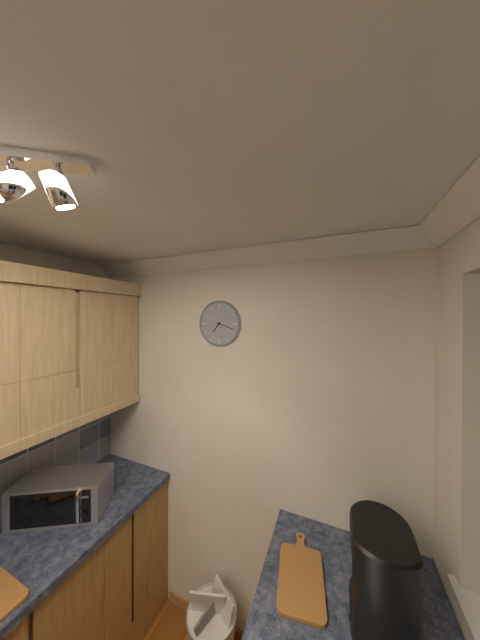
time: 7:18
